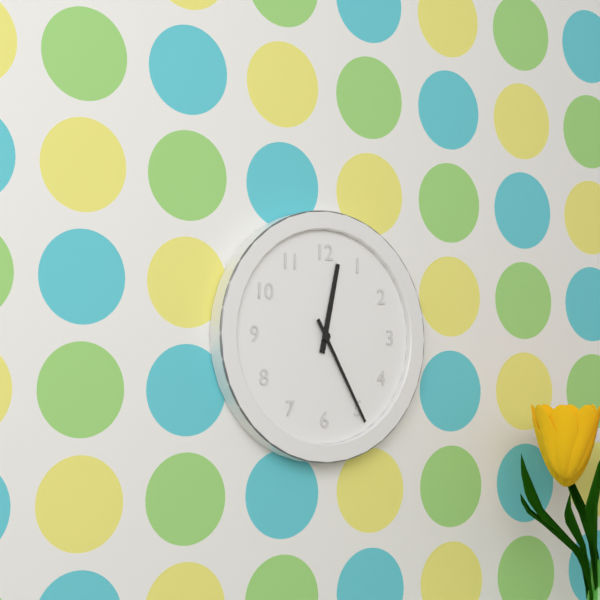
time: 12:25
